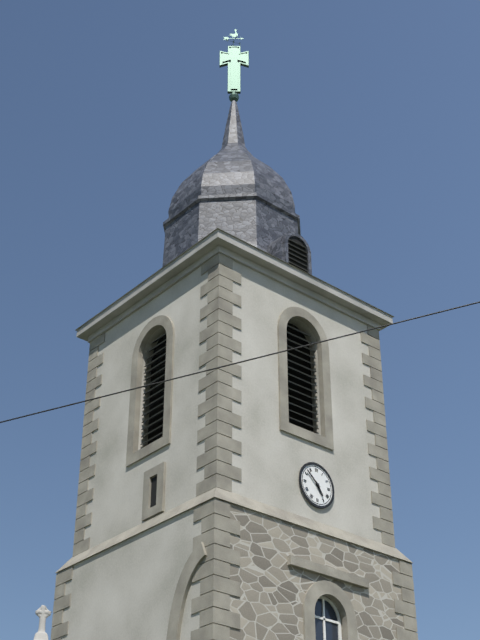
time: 4:52
